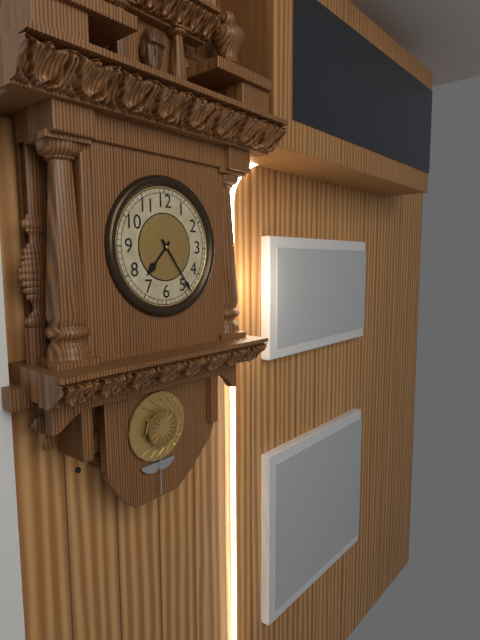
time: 7:24
